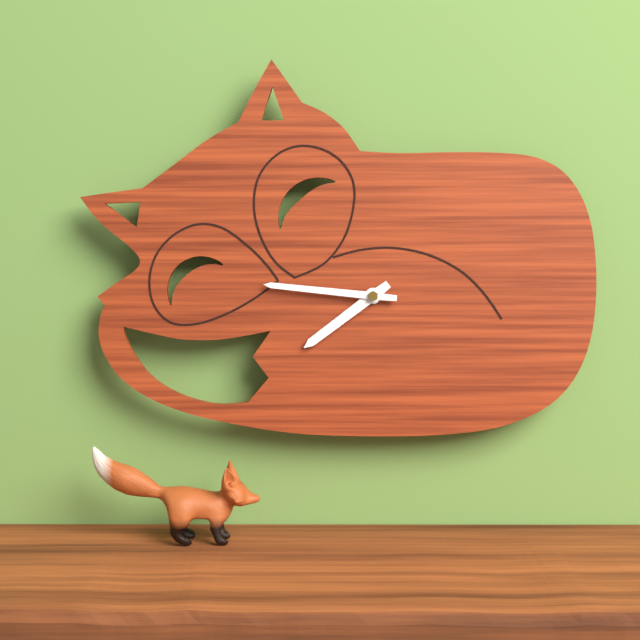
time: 7:46
